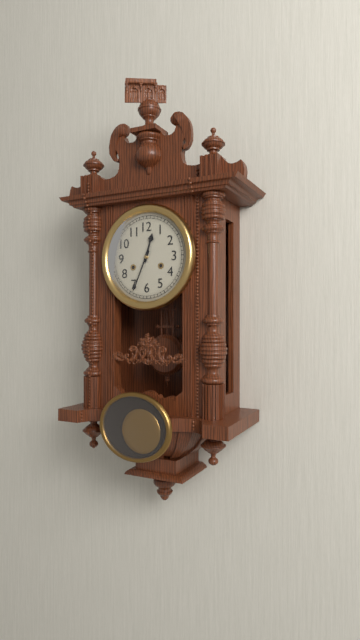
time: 12:34
